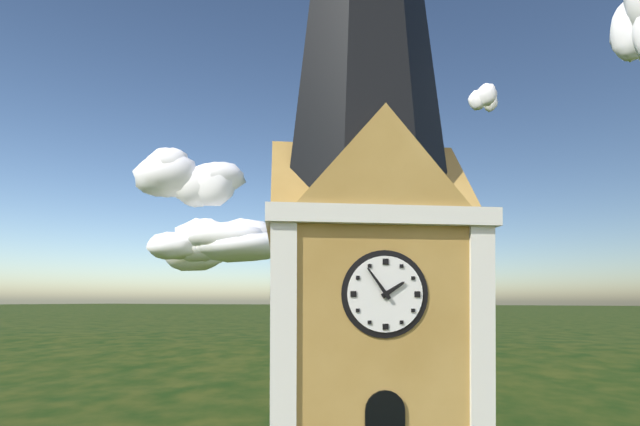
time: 1:54
